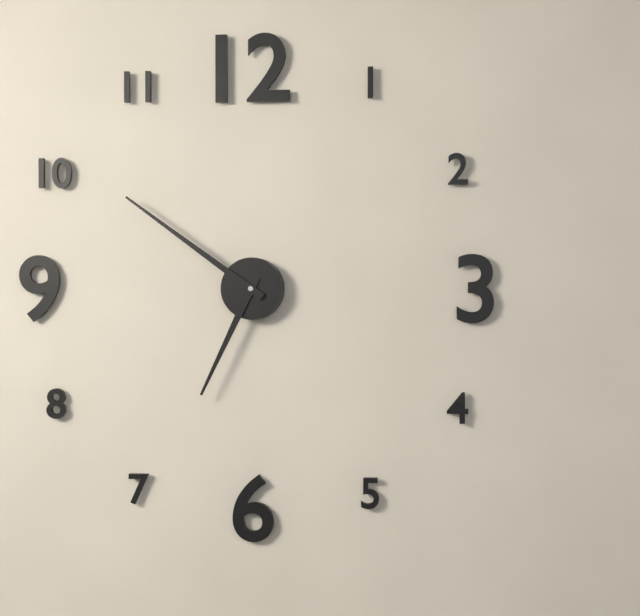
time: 6:51
